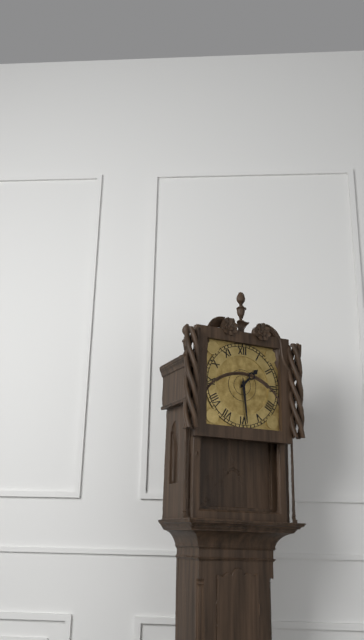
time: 1:29
